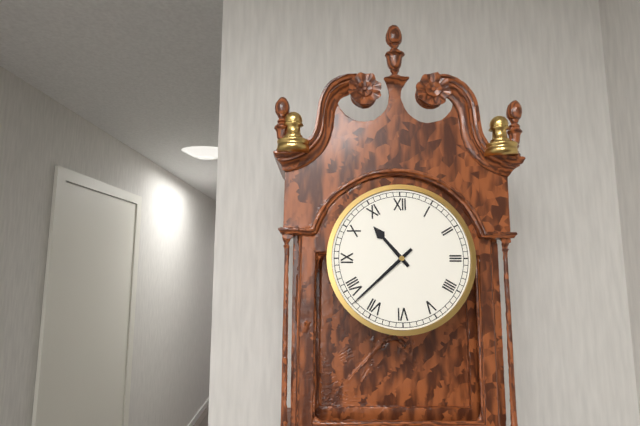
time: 10:38
